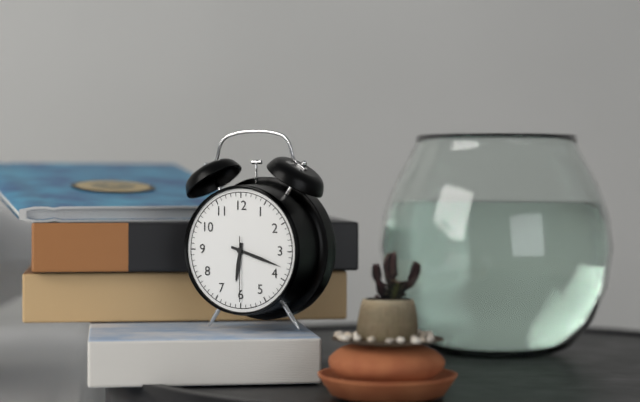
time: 6:18:30
